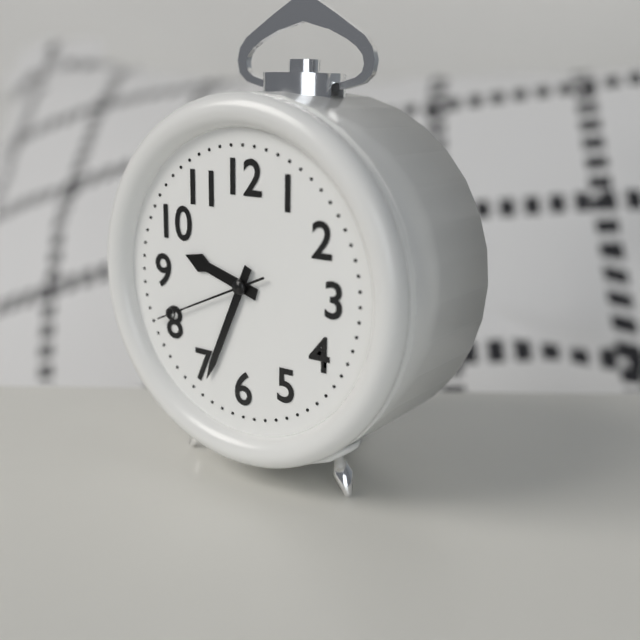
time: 9:34:41
